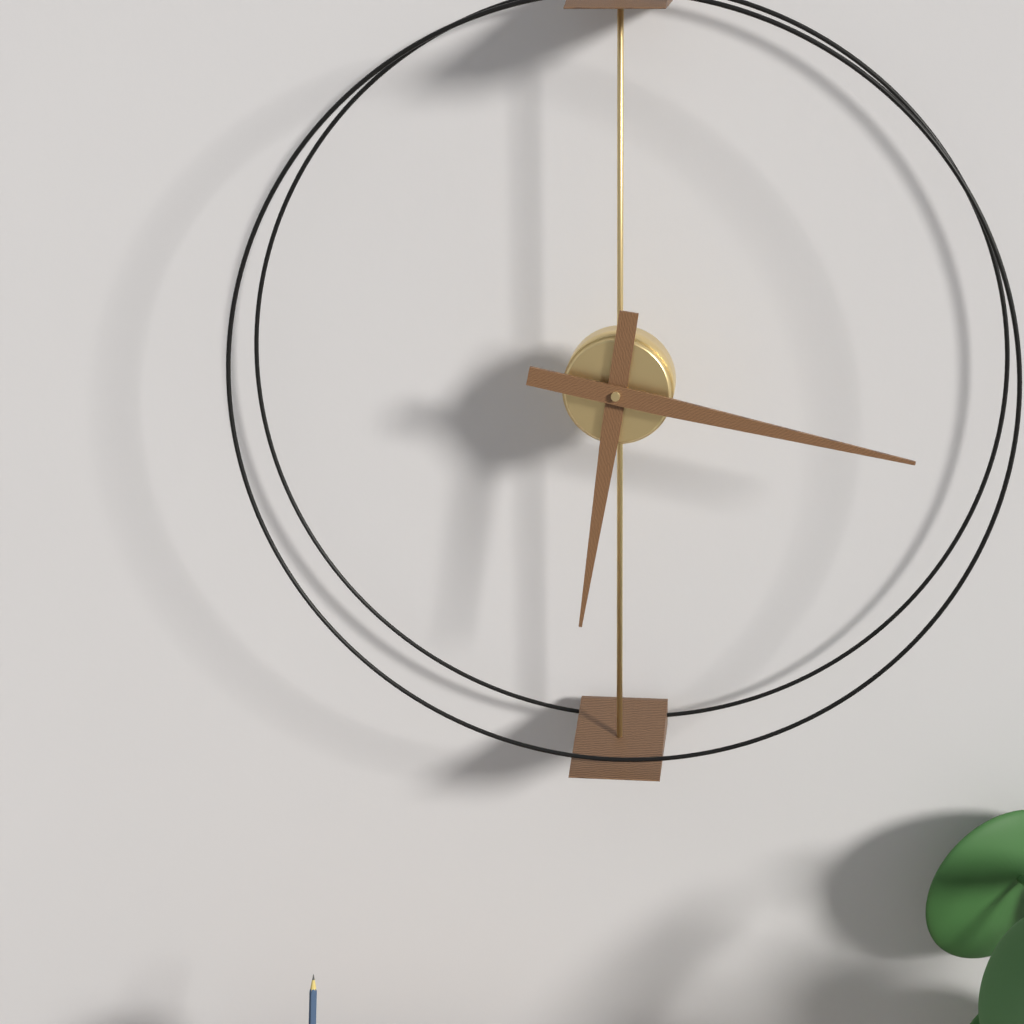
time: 6:17
